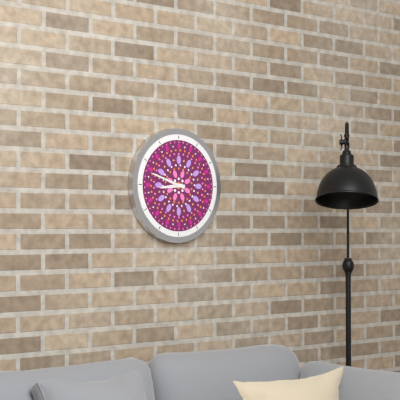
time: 8:48
